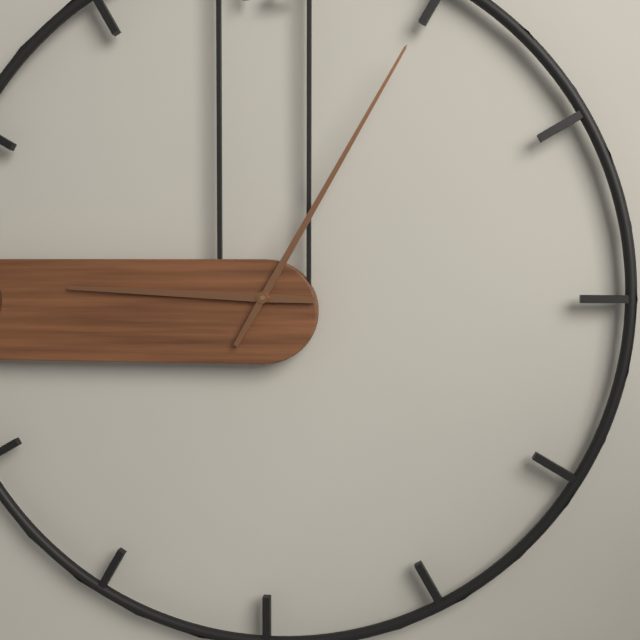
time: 9:05
